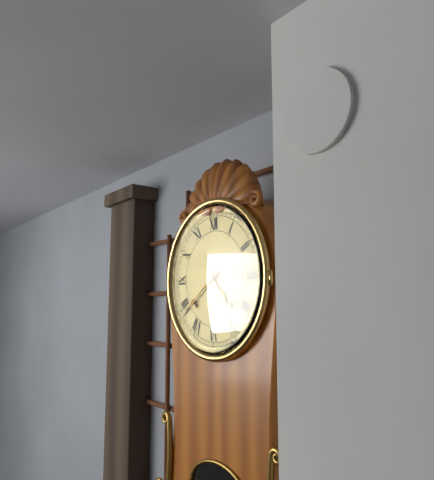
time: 4:39
